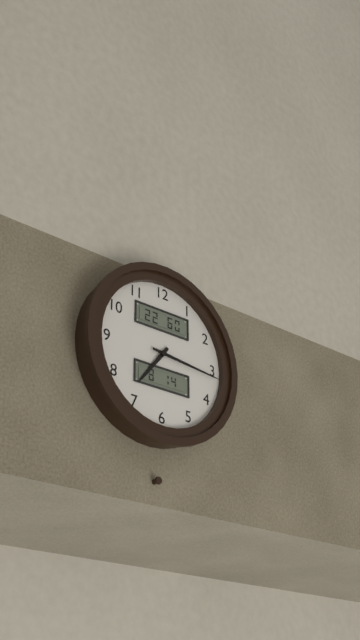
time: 7:16
